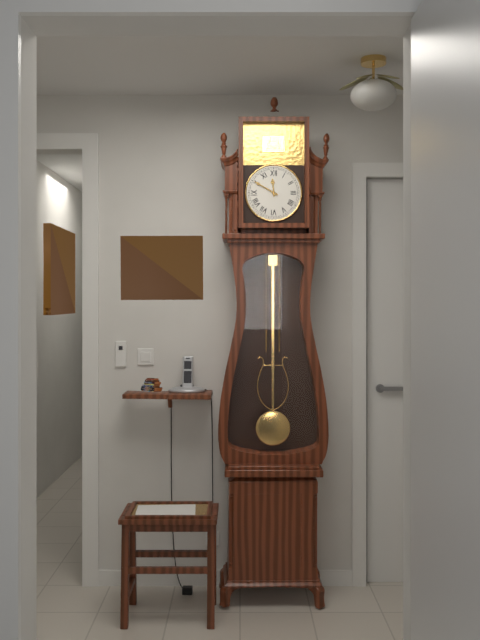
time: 11:50
